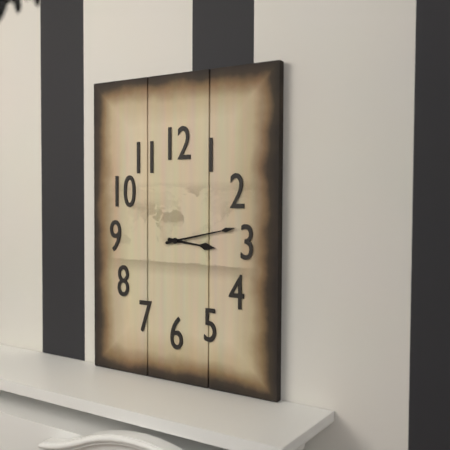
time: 3:13
